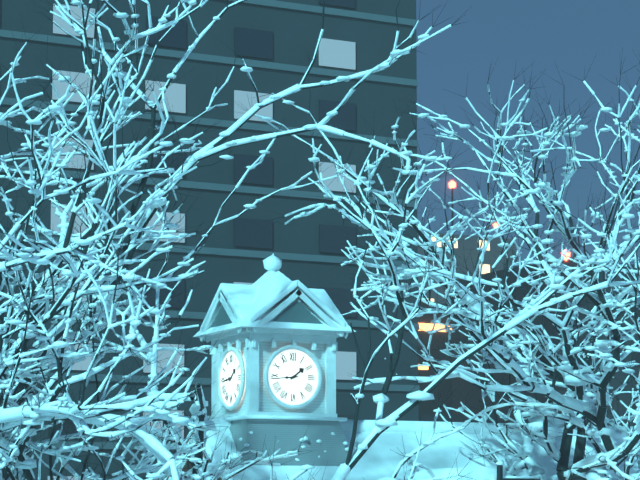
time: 1:44
